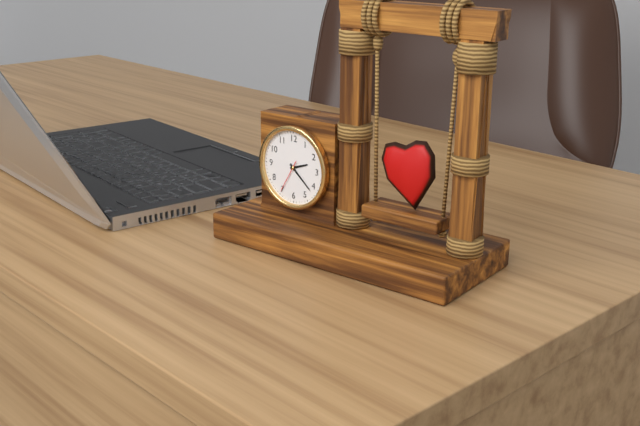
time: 2:22
